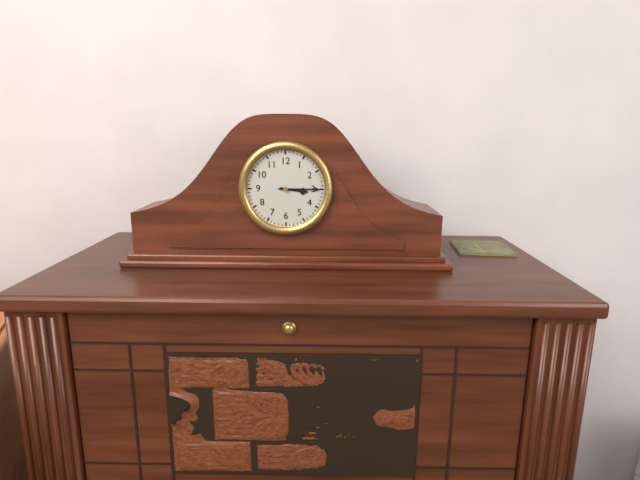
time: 3:15
